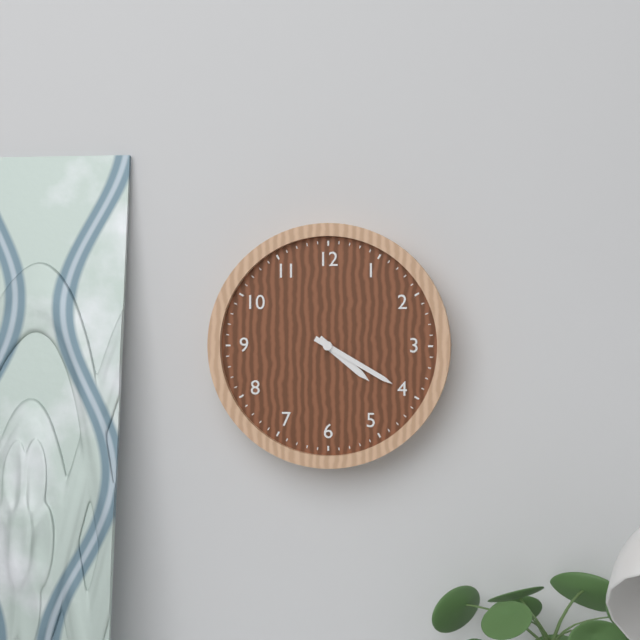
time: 4:20
